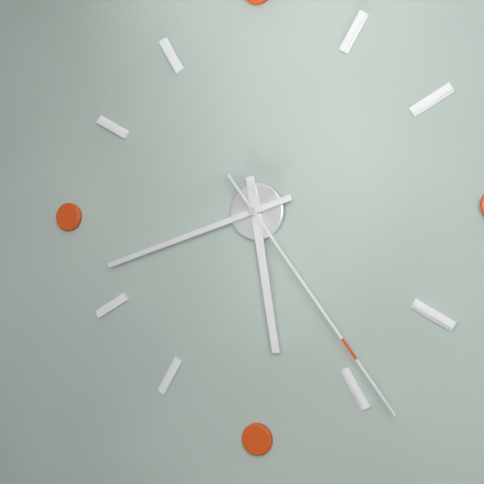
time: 5:42:24
